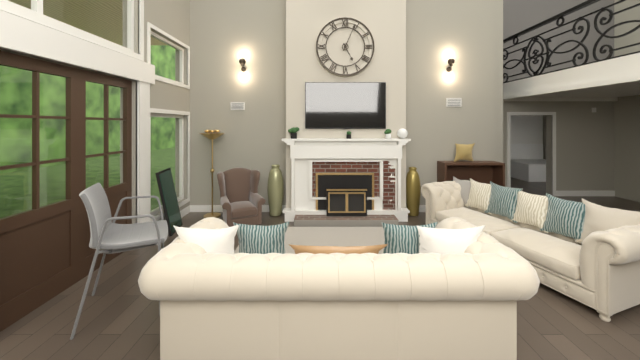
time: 5:04
